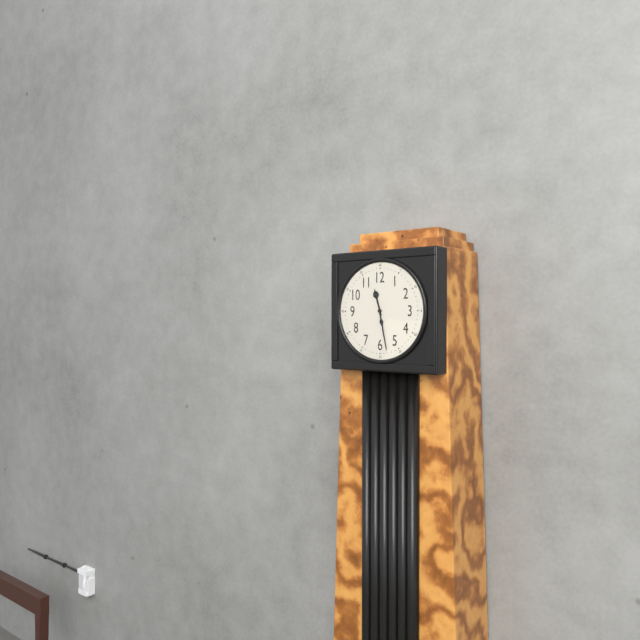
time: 11:28
